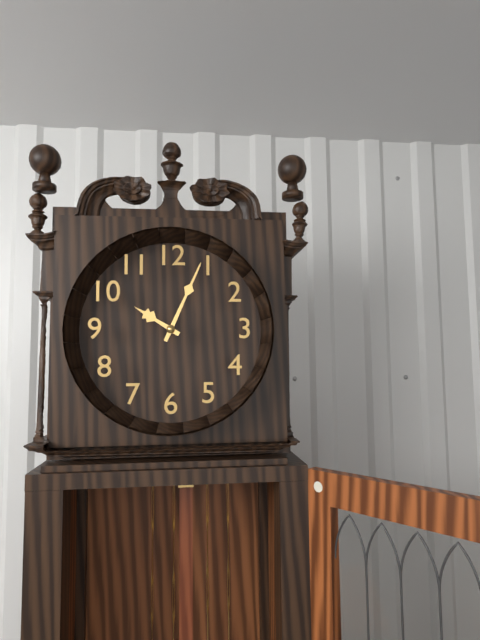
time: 10:04
